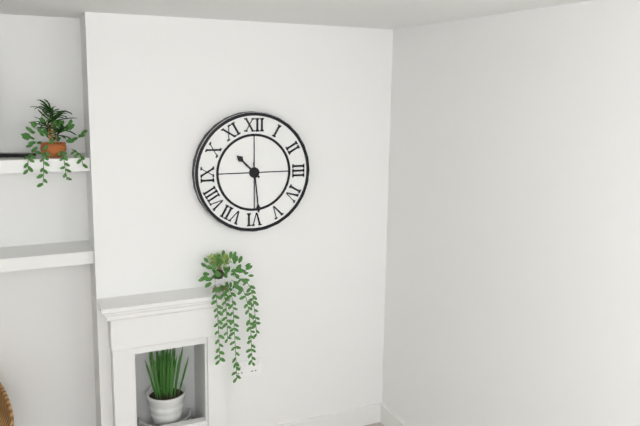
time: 10:29
